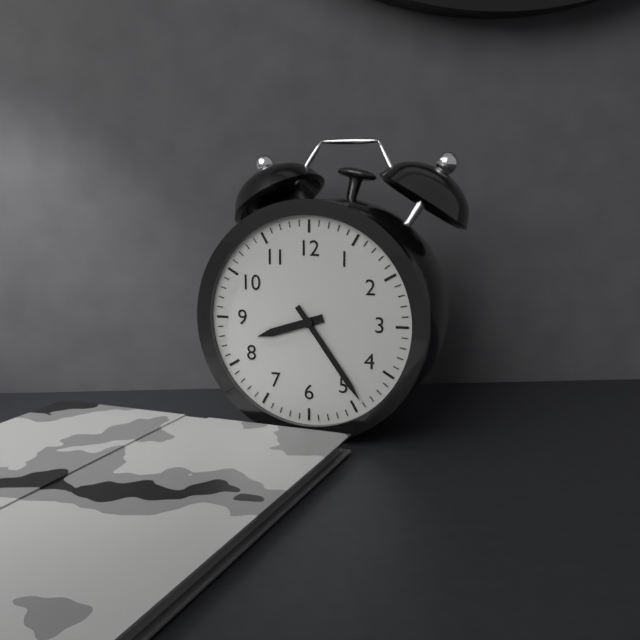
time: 8:24
